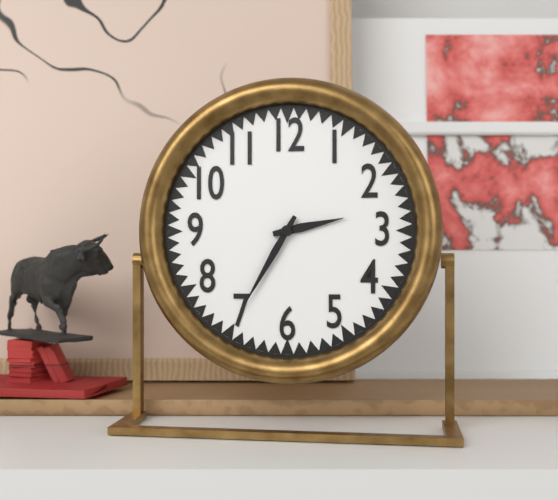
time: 2:35
